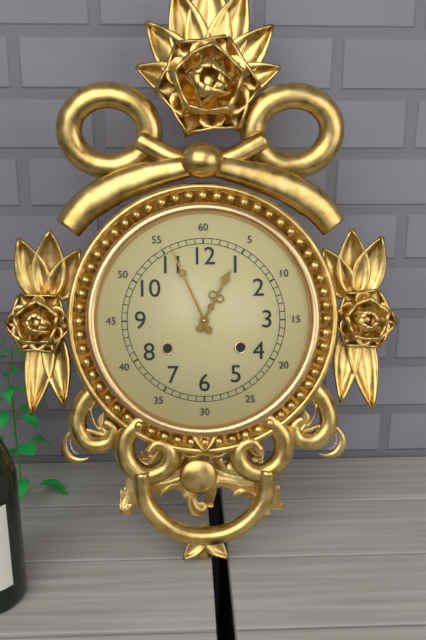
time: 12:56
